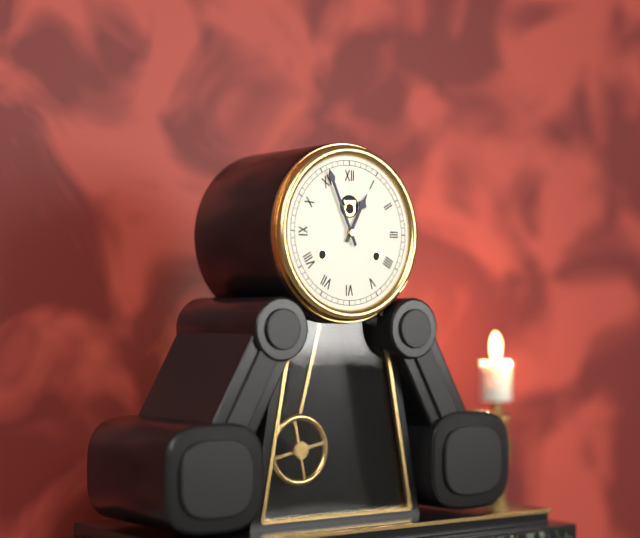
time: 12:56
